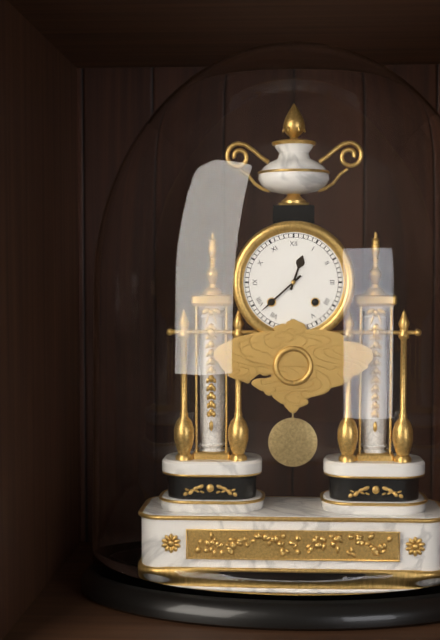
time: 12:38
